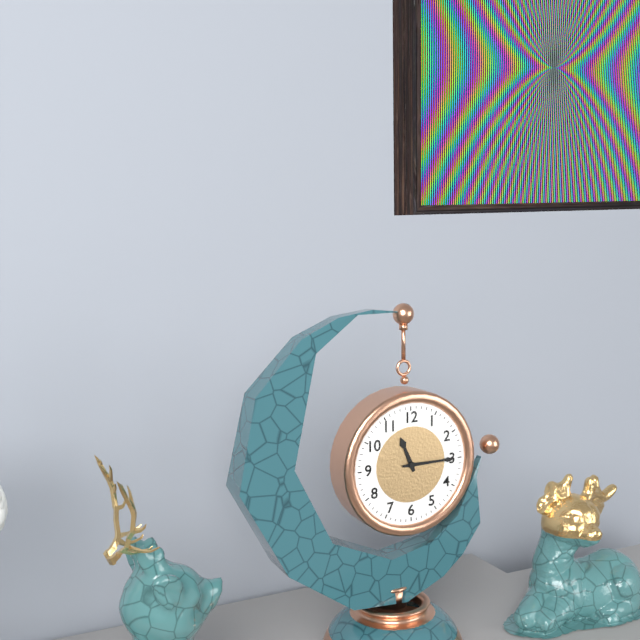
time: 11:15
